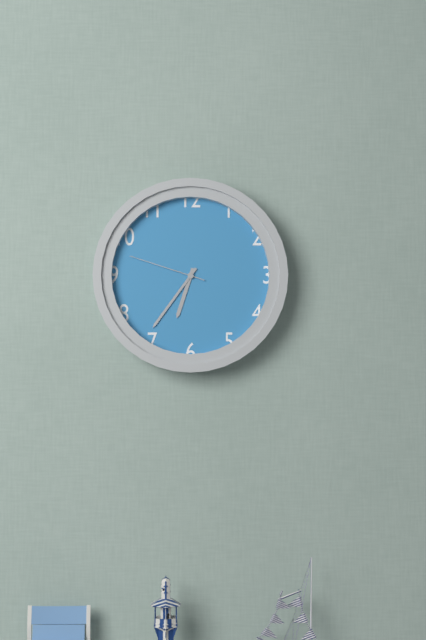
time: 6:36:48
